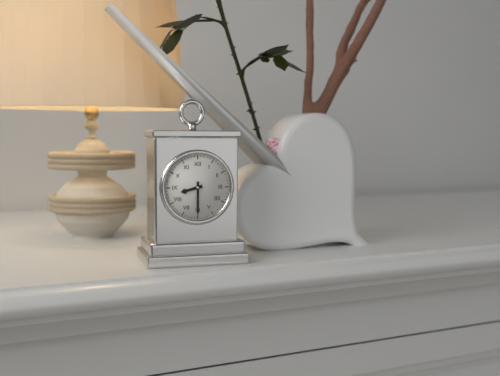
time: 8:30
